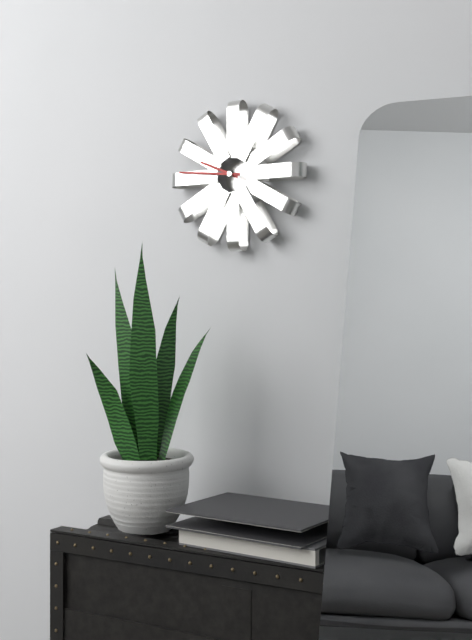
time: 9:46
